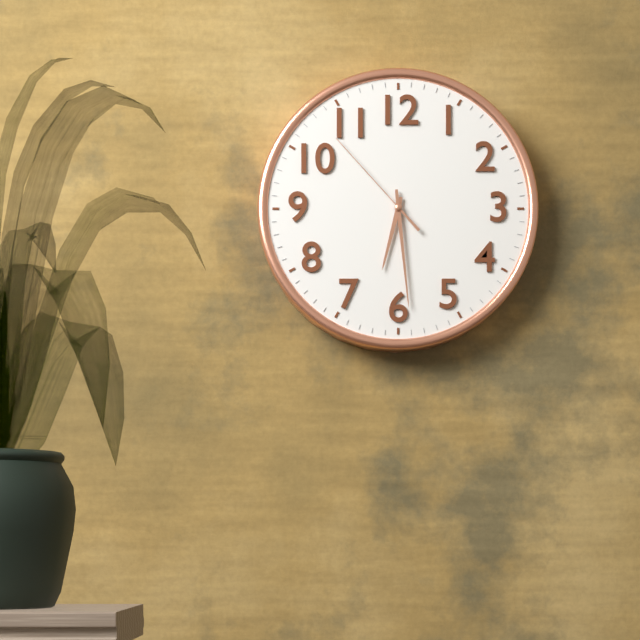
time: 6:29:53
